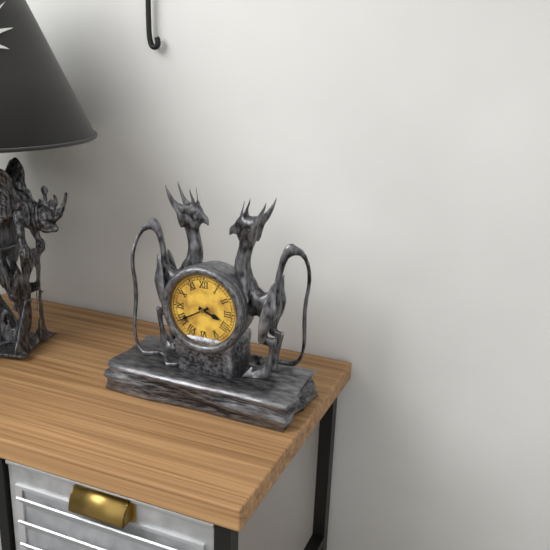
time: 3:40
